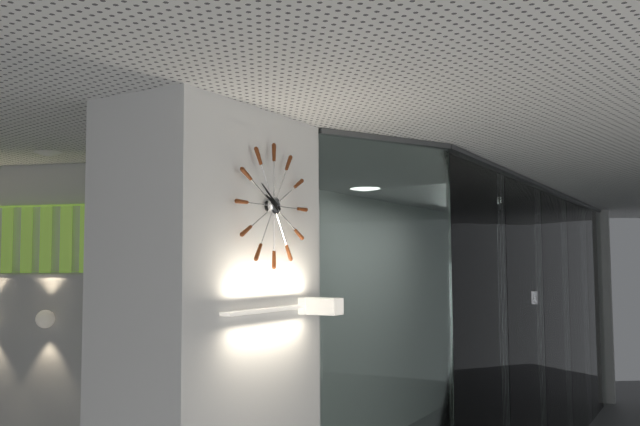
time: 9:51
